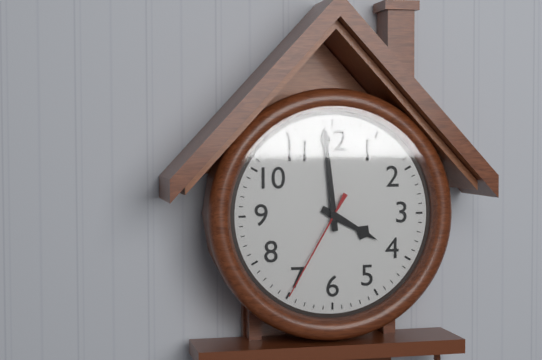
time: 3:59:35
